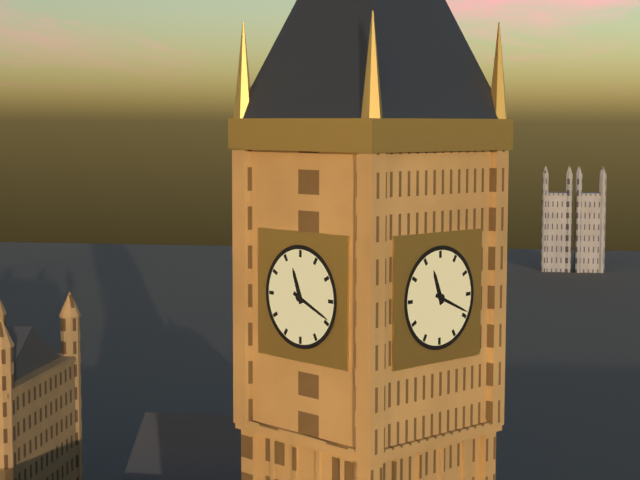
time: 11:19
